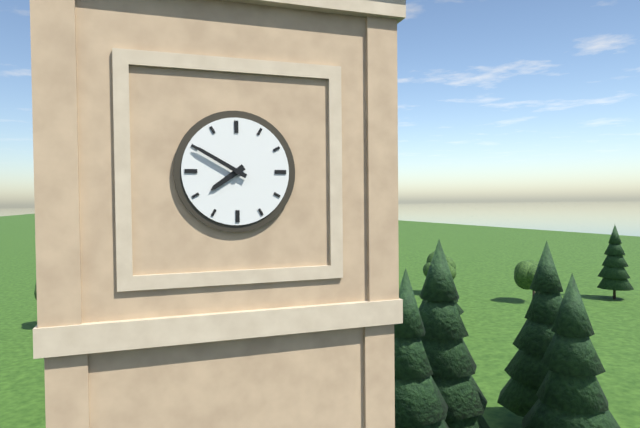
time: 7:50
